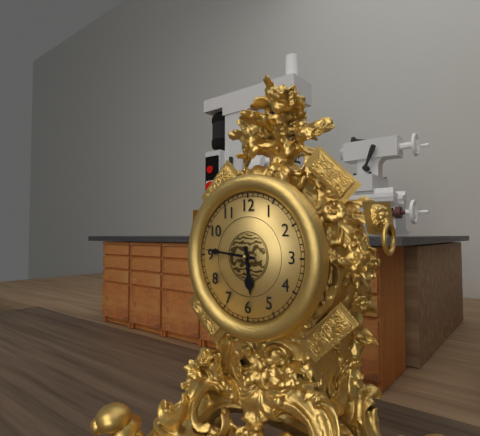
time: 5:46
